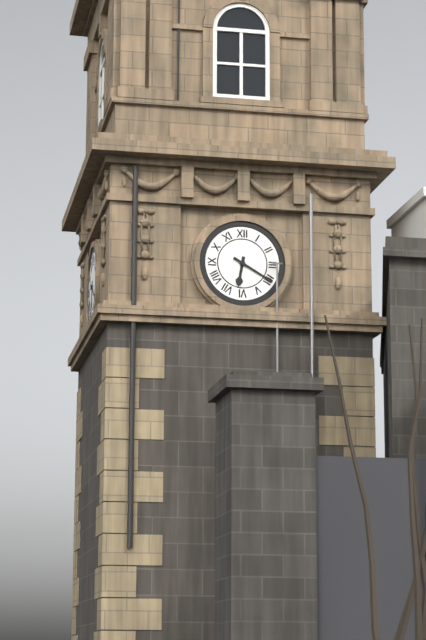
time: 6:20
